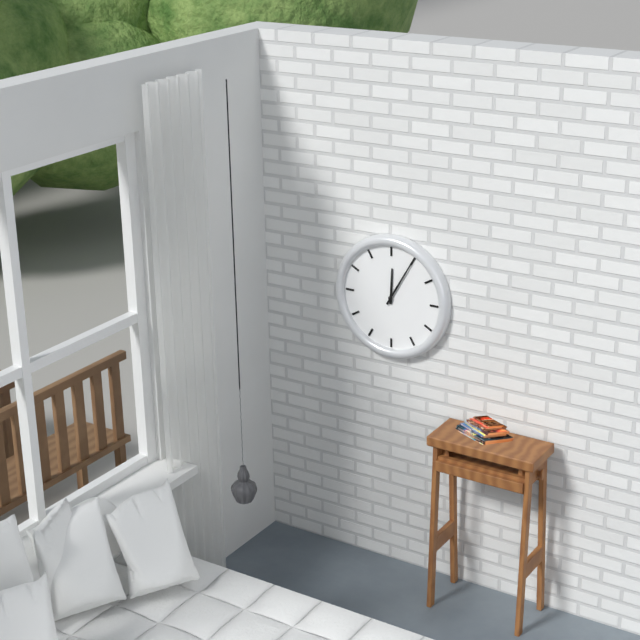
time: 12:05
